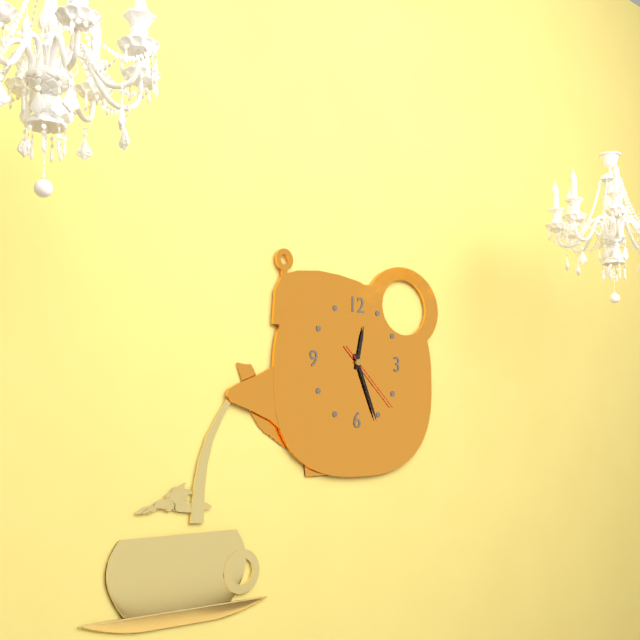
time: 12:26:22
